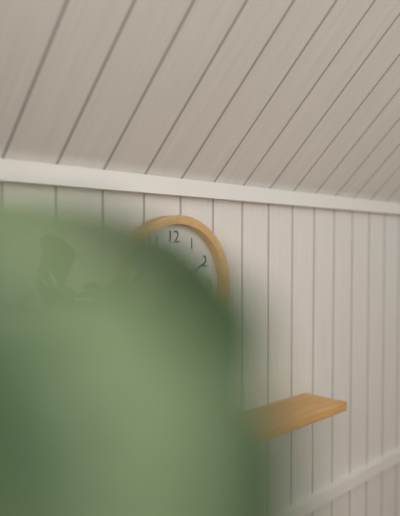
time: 3:10
